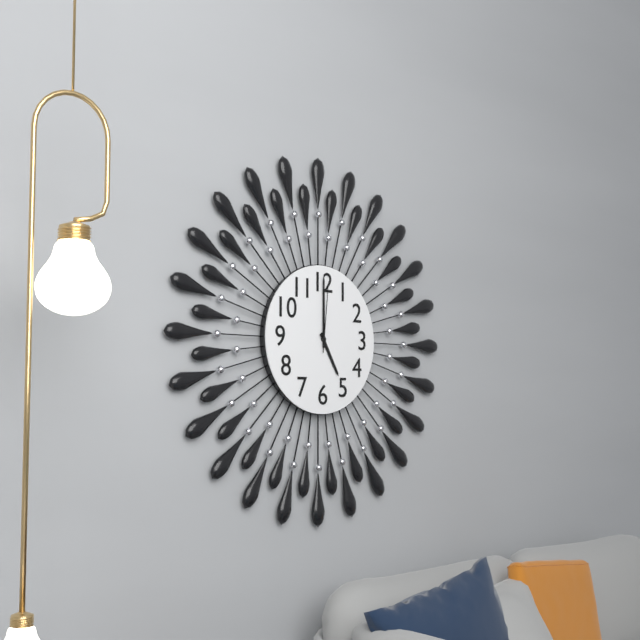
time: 5:00:01
